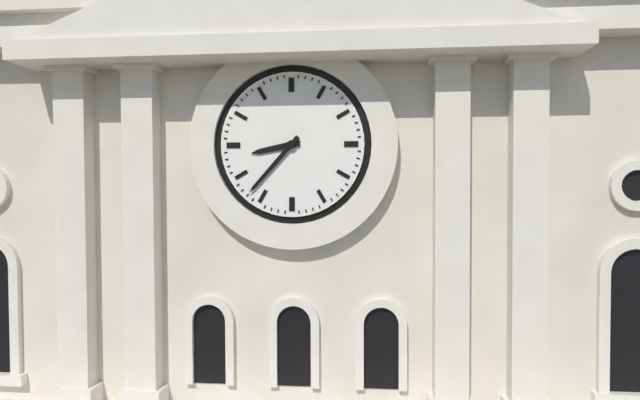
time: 8:37
